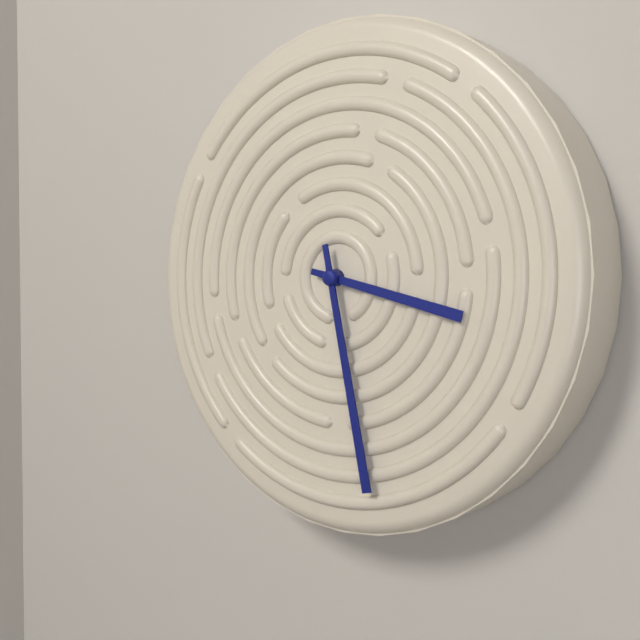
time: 3:28
